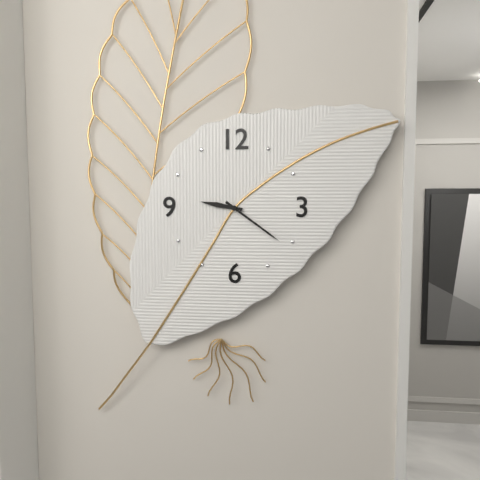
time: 9:21
